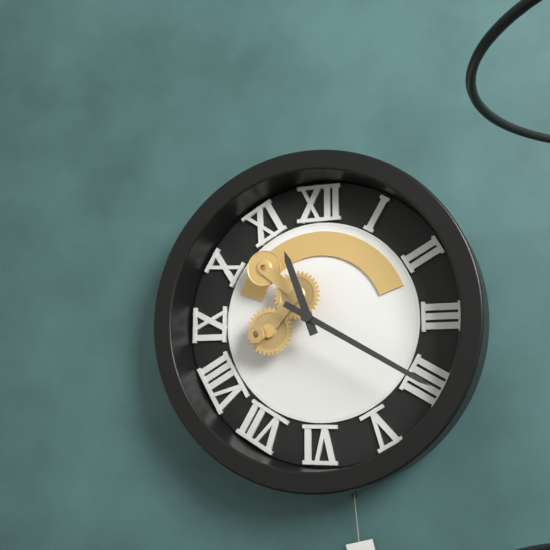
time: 11:20
